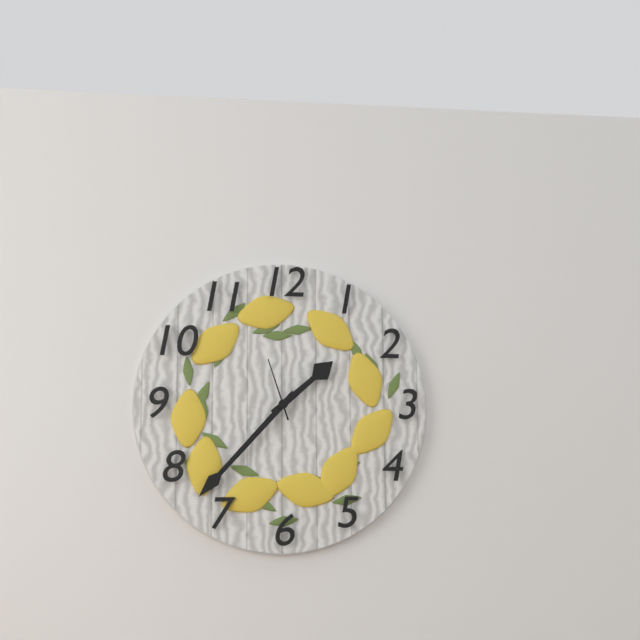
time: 1:37:57
